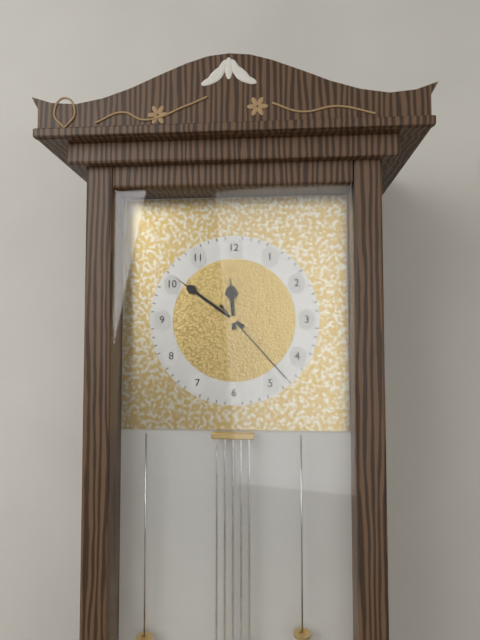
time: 11:51:23
